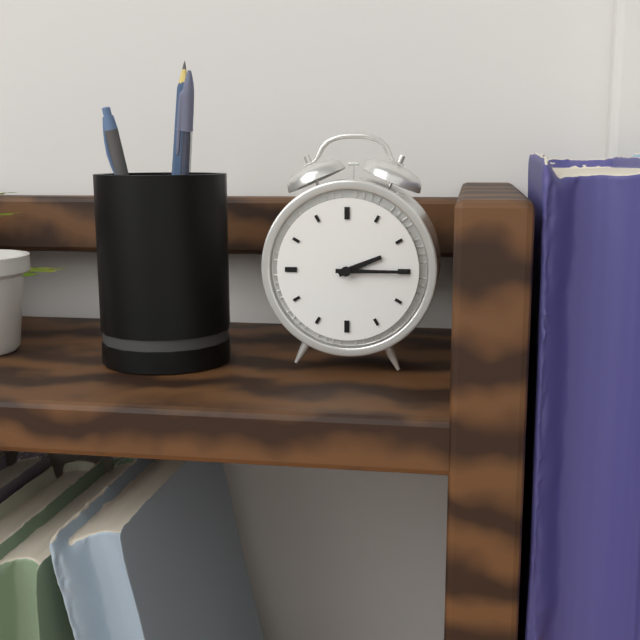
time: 2:15
